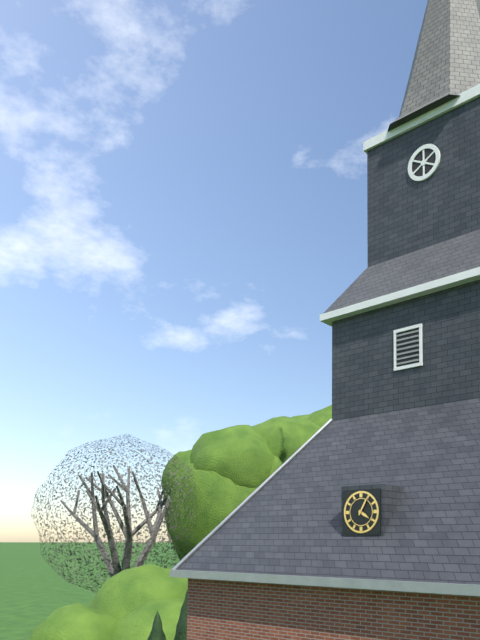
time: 4:05
